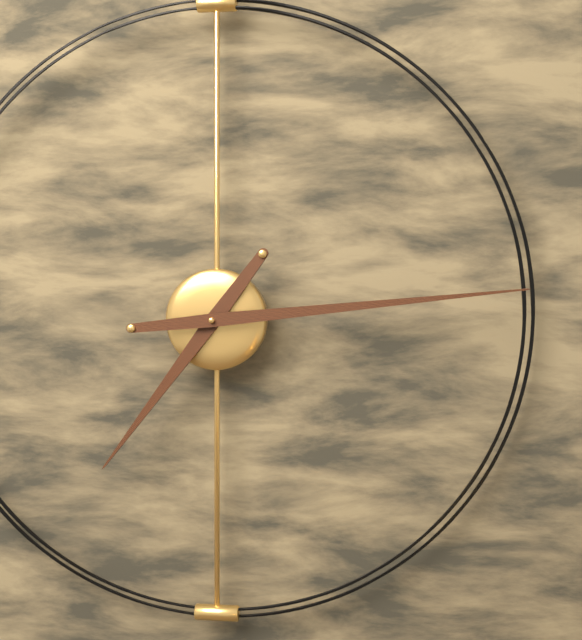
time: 7:14
